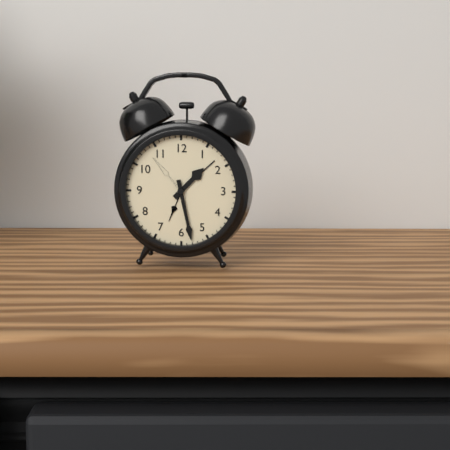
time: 1:28
